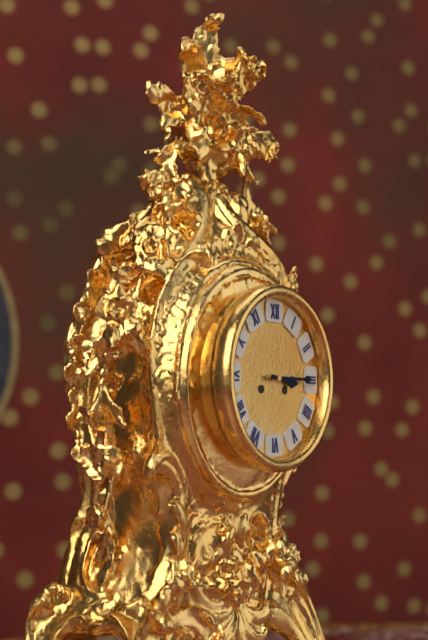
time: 3:15
